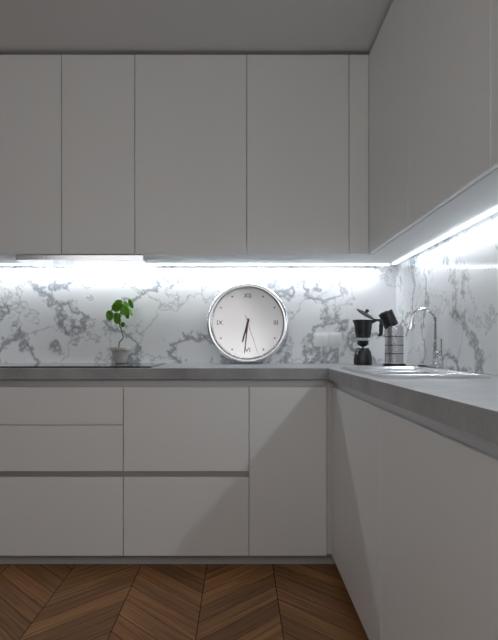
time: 6:31
